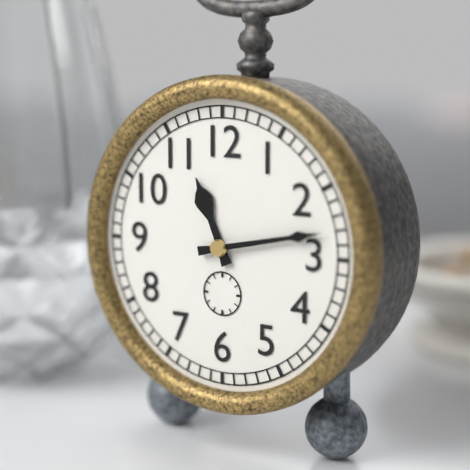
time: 11:13
